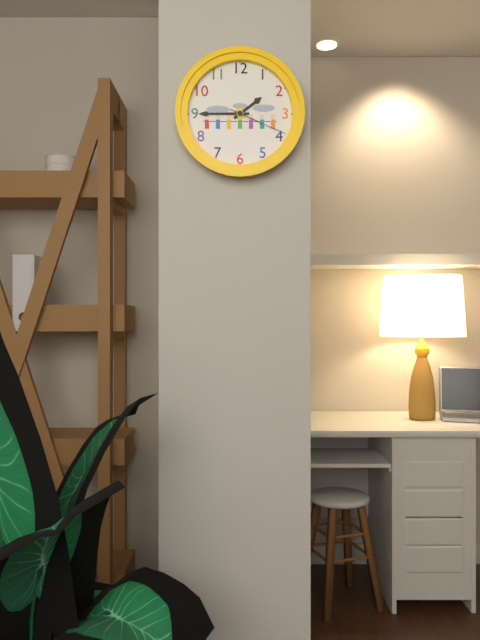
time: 1:45:19
